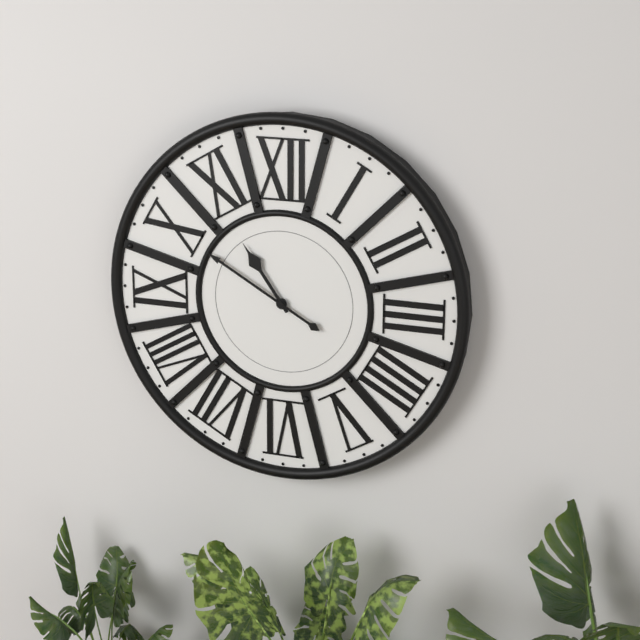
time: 10:50
